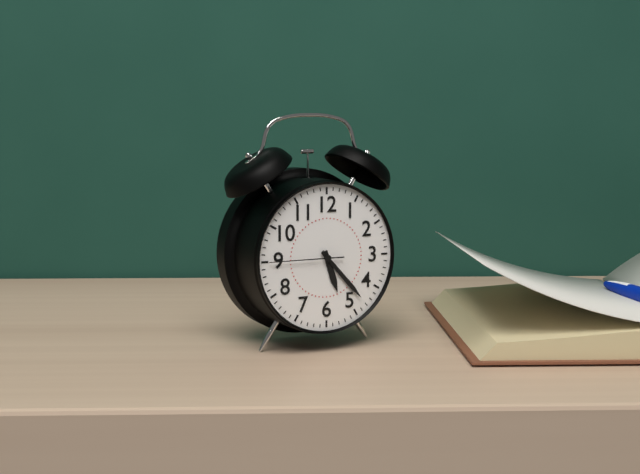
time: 5:23:45
